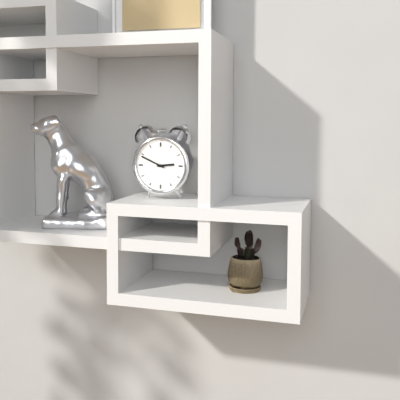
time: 2:49
